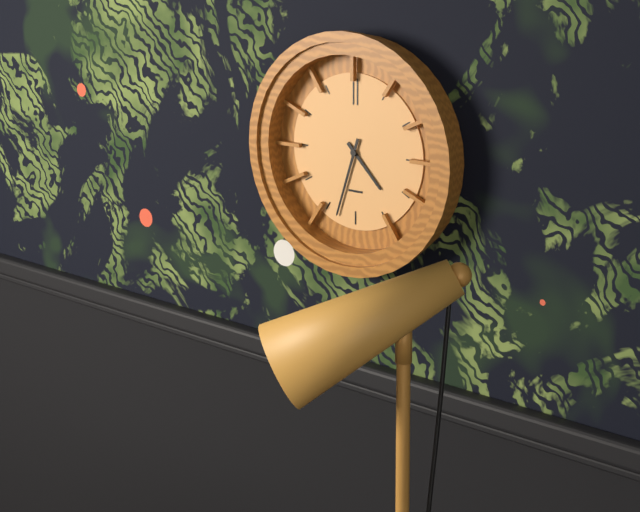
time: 4:33
